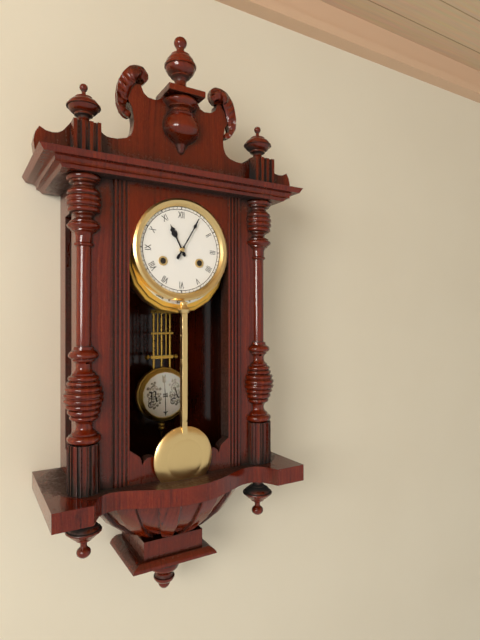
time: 11:05
